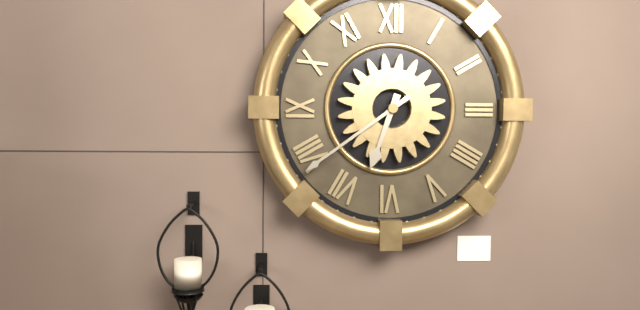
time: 6:39
